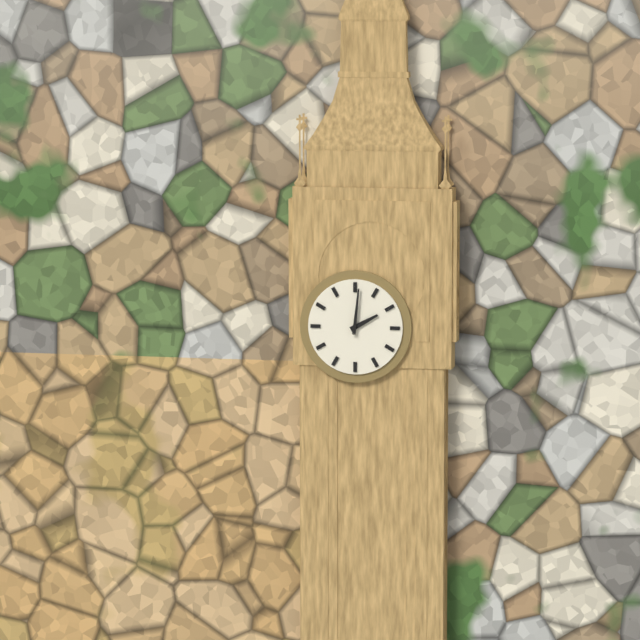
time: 2:01
